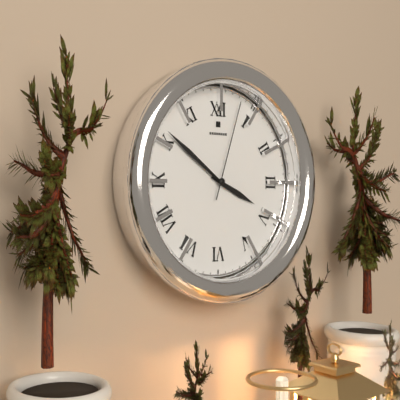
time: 3:51:03
